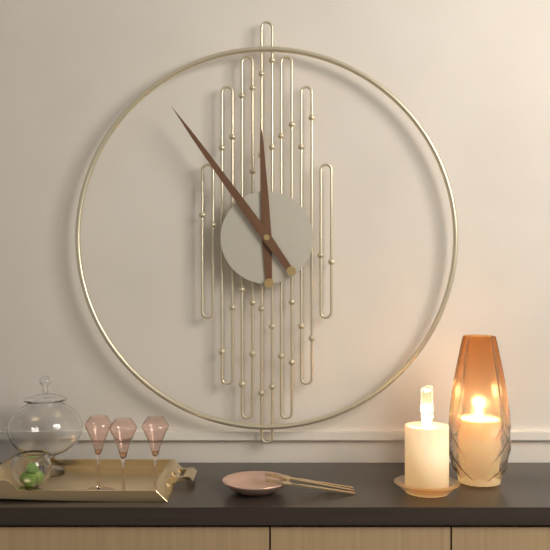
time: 11:54
